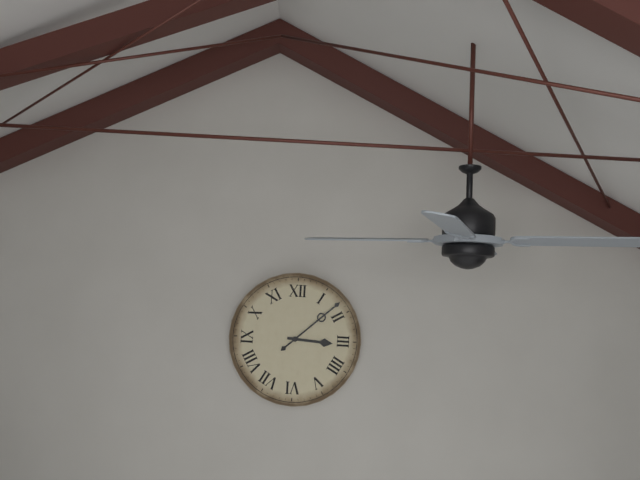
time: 3:08
